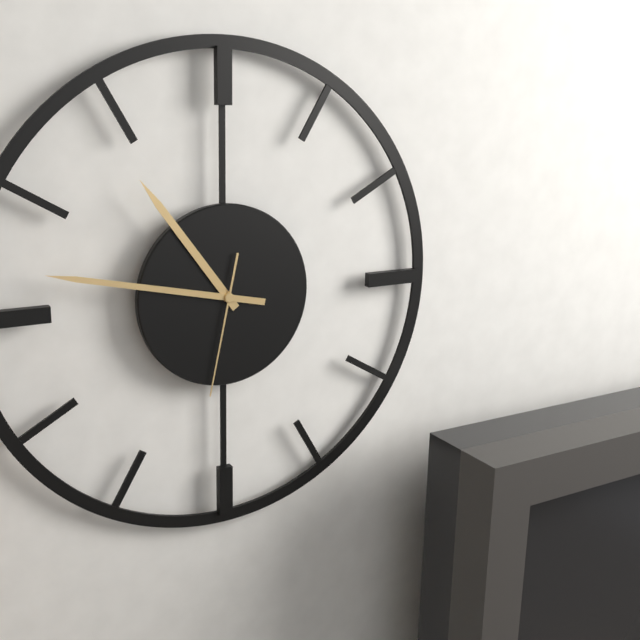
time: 10:47:32
